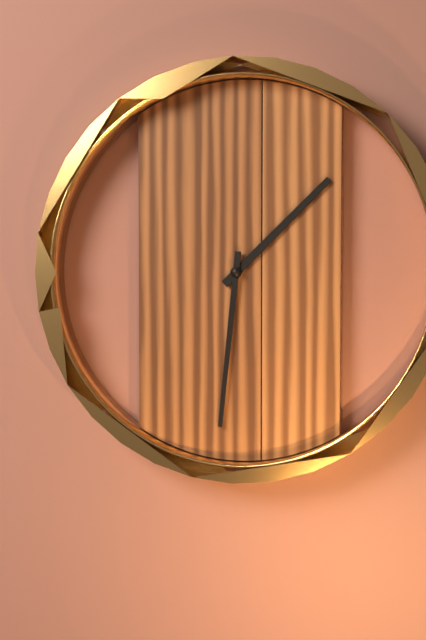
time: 1:31
